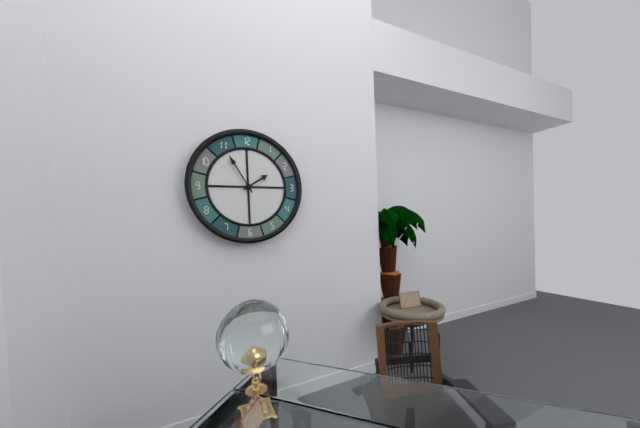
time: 1:55
